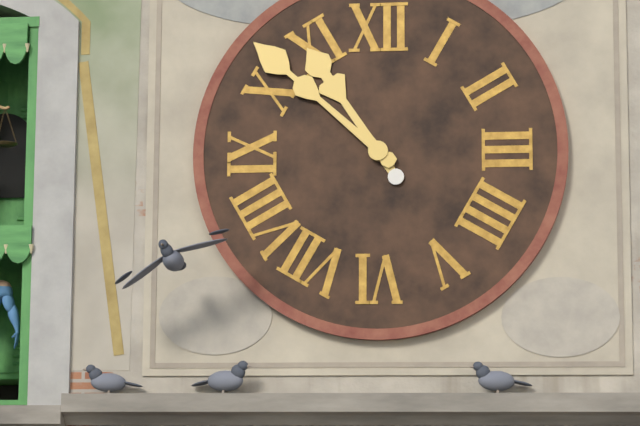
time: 10:52
